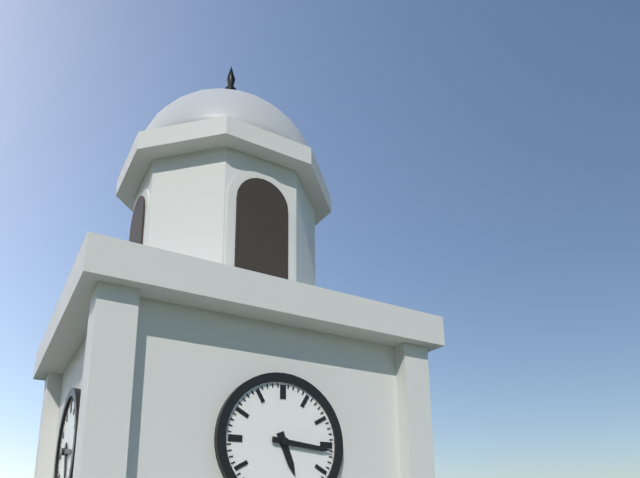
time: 5:16
